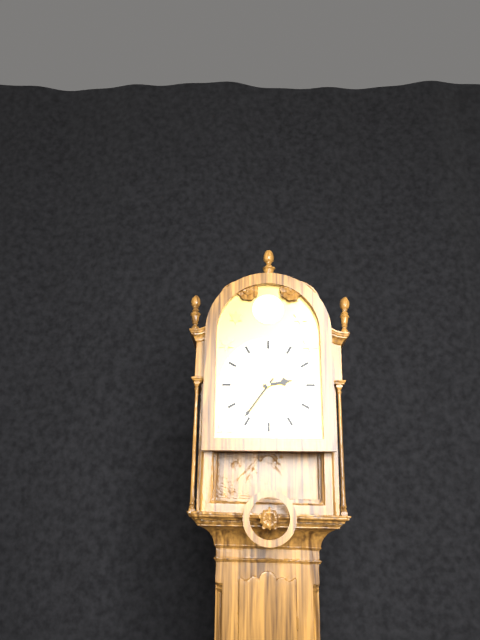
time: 2:36
